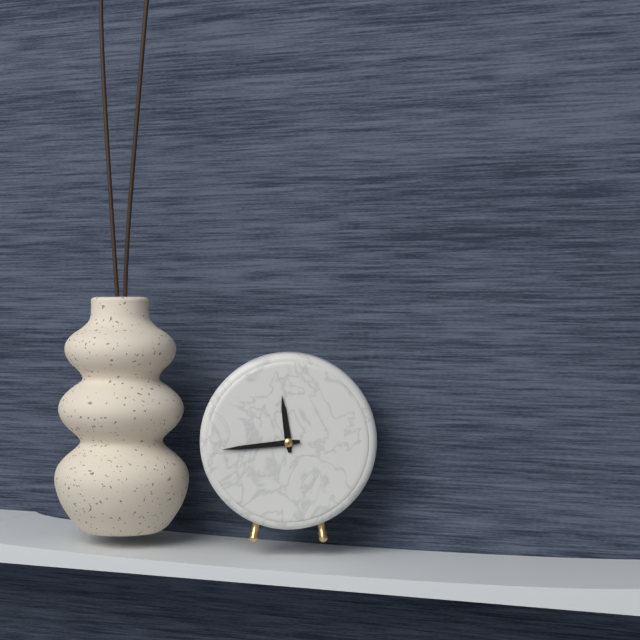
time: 11:44
